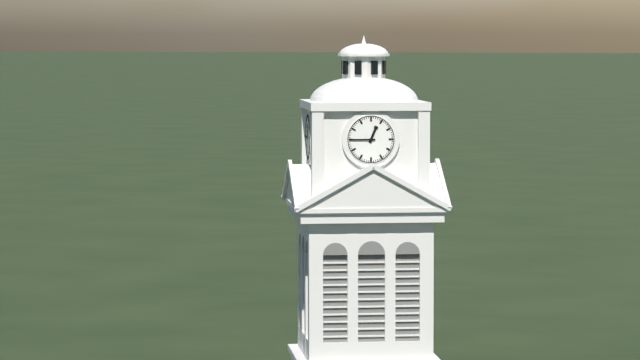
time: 12:45
